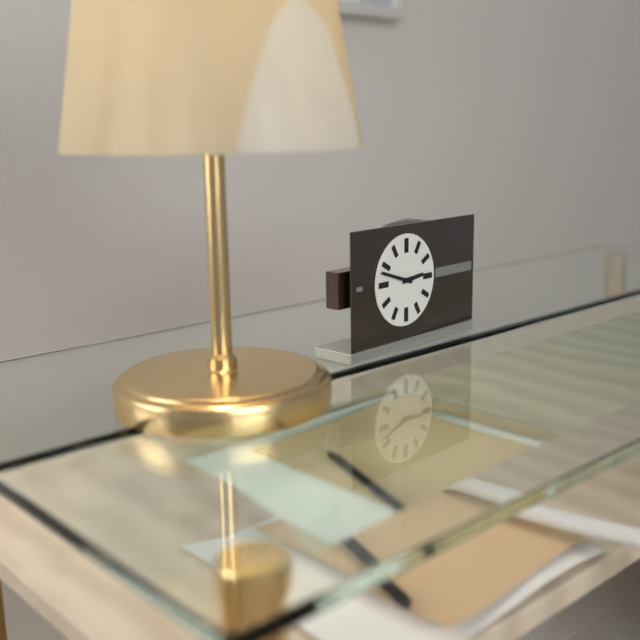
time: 2:48
